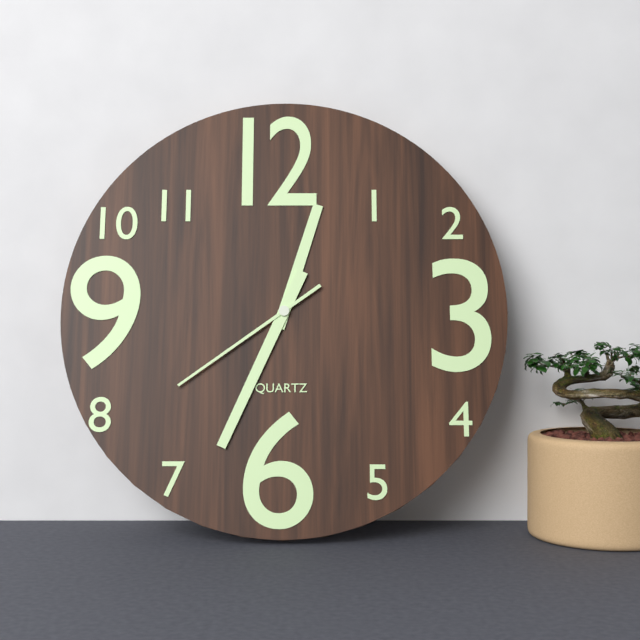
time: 12:34:39
